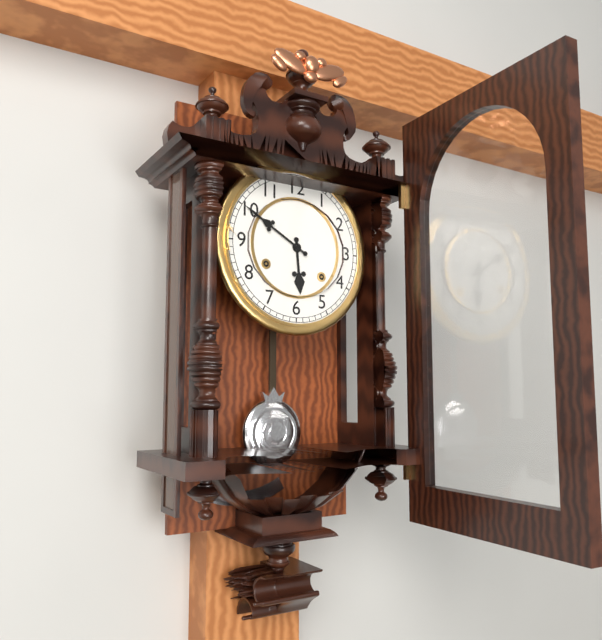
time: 5:50
